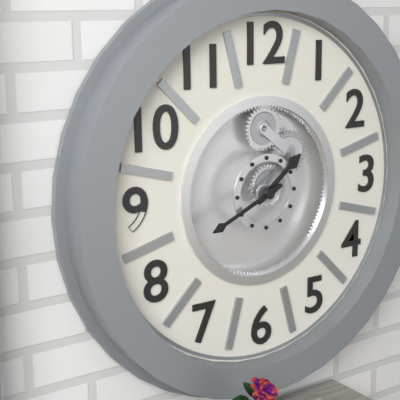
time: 1:41
